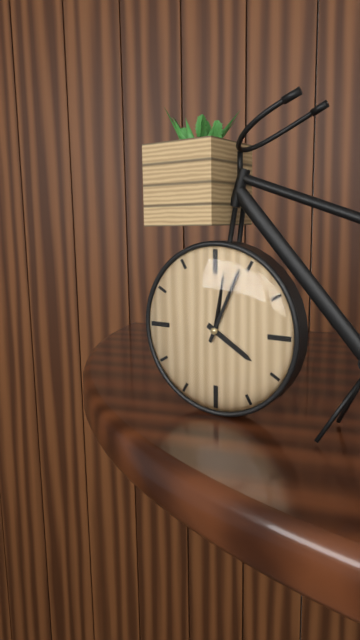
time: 4:04
